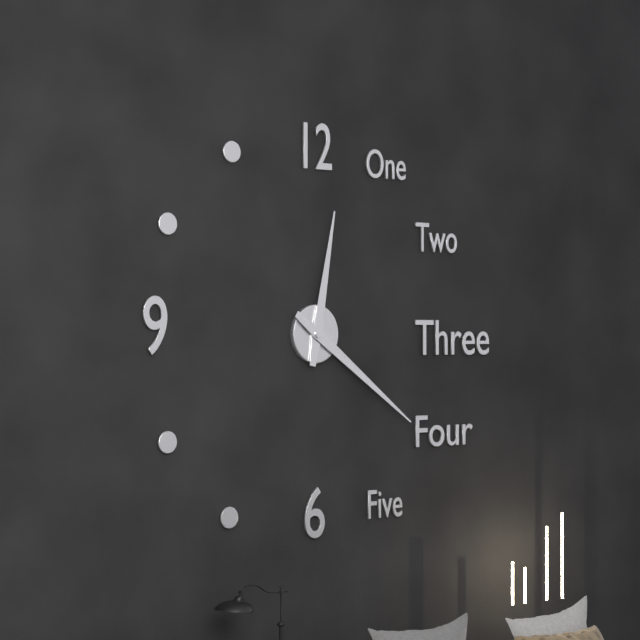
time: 12:21
